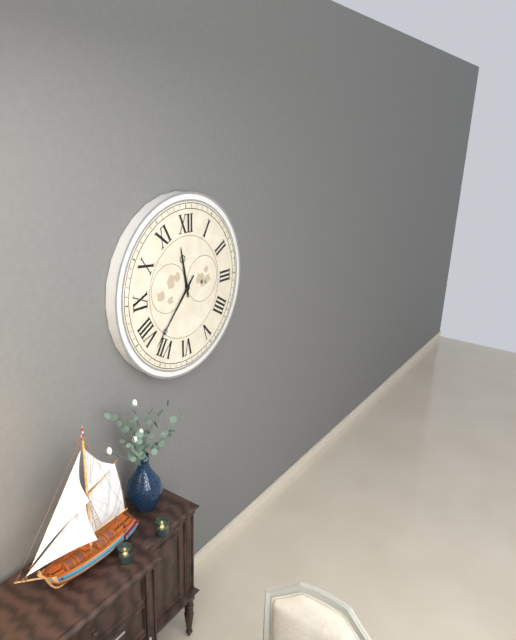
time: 11:37
